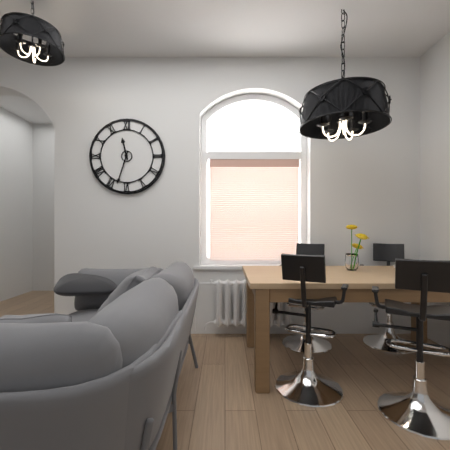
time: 11:33
